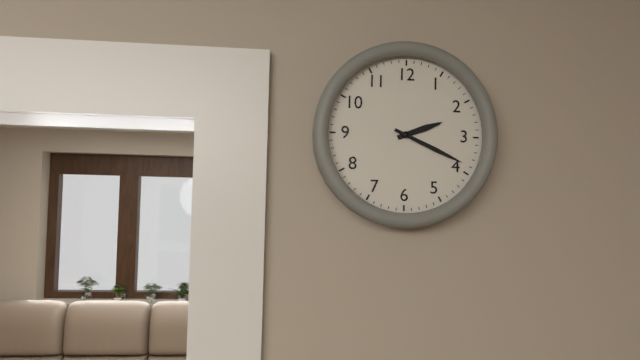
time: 2:19
